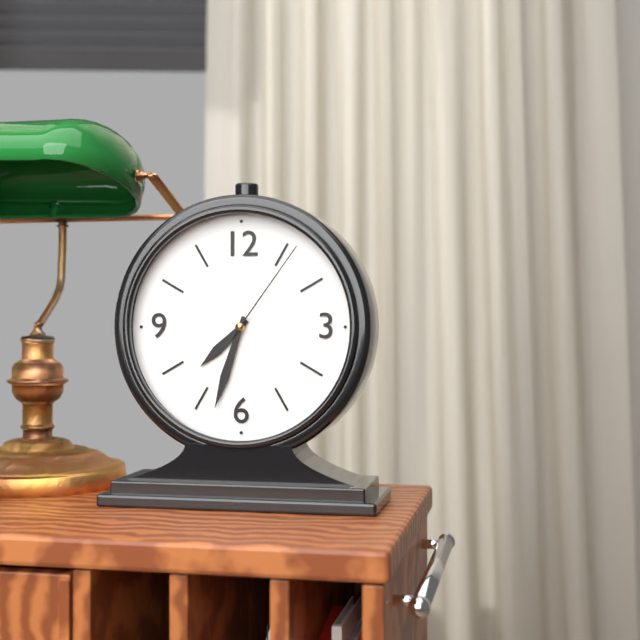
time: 7:33:06
